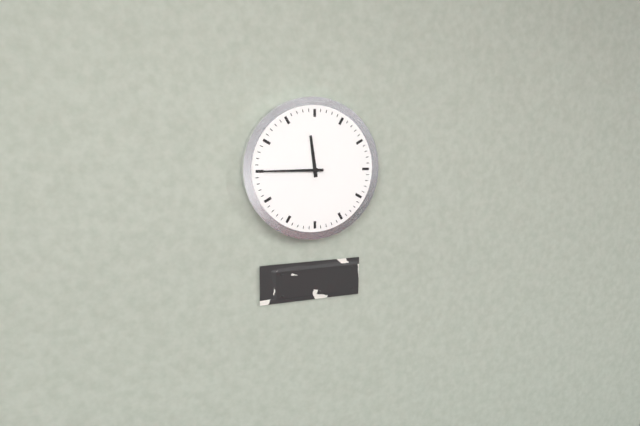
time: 11:45
